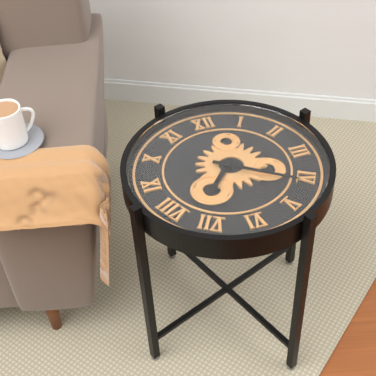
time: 7:21
